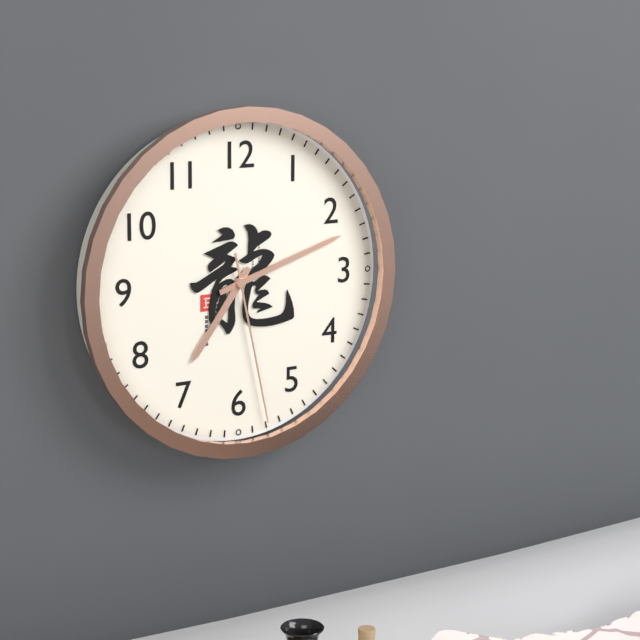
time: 7:12:28
